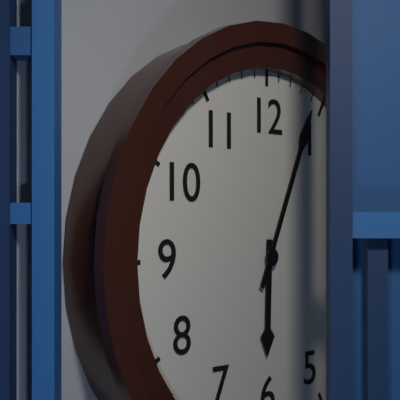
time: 6:04
